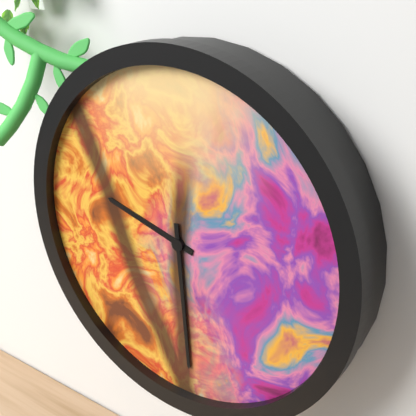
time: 9:29
